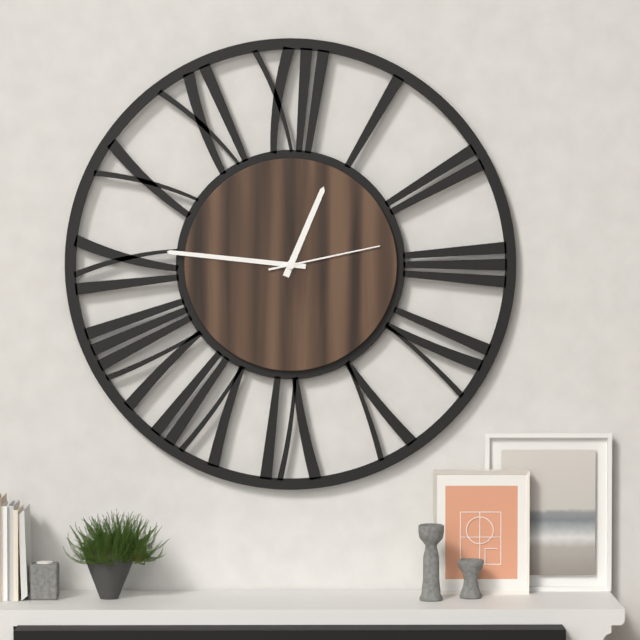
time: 12:46:13
